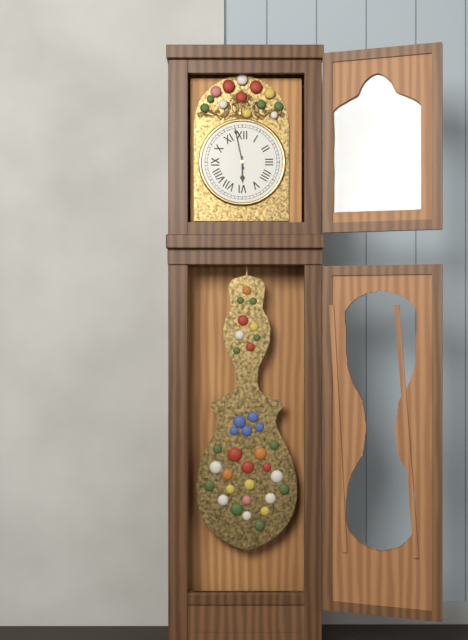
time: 5:58
